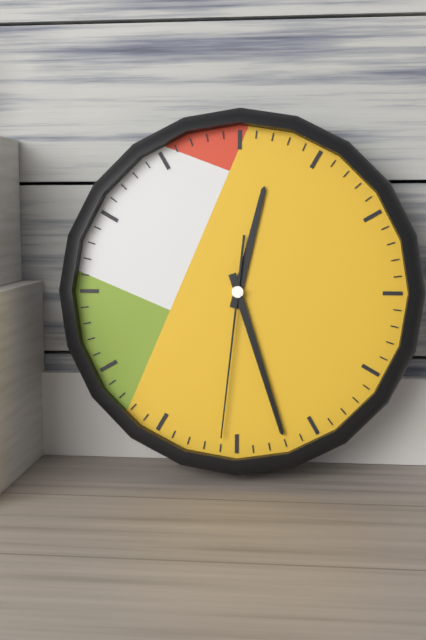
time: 12:27:31
